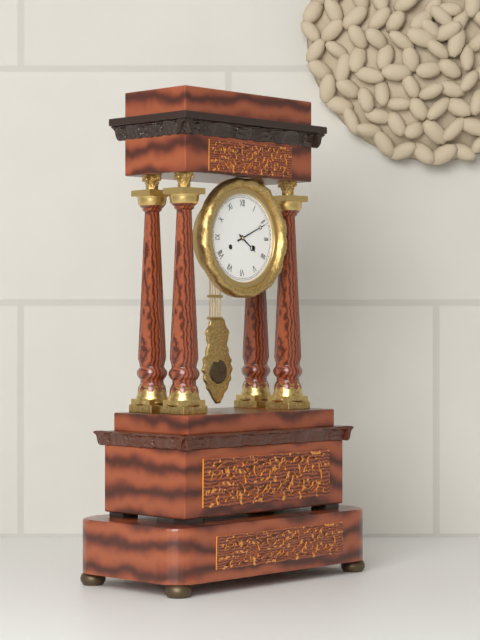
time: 4:11
